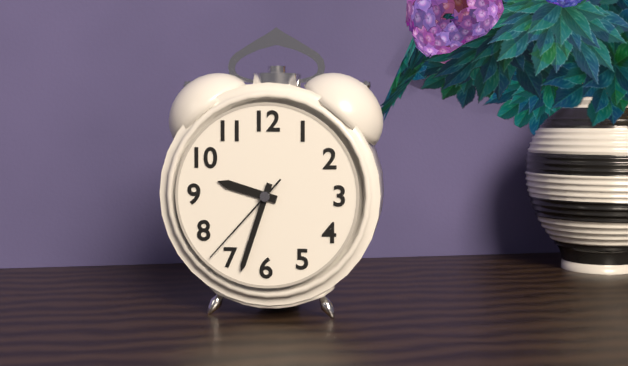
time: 9:33:37
